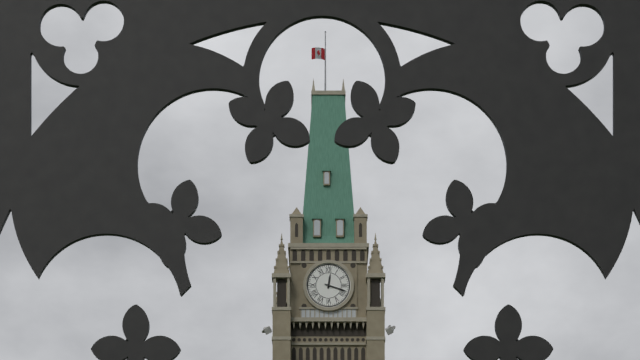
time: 12:18
